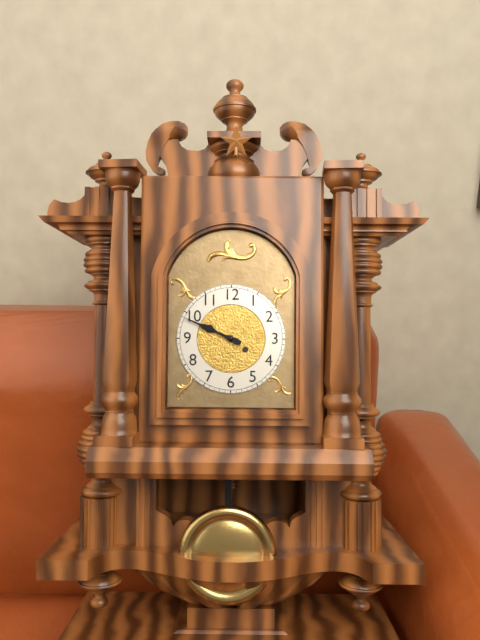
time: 9:49
